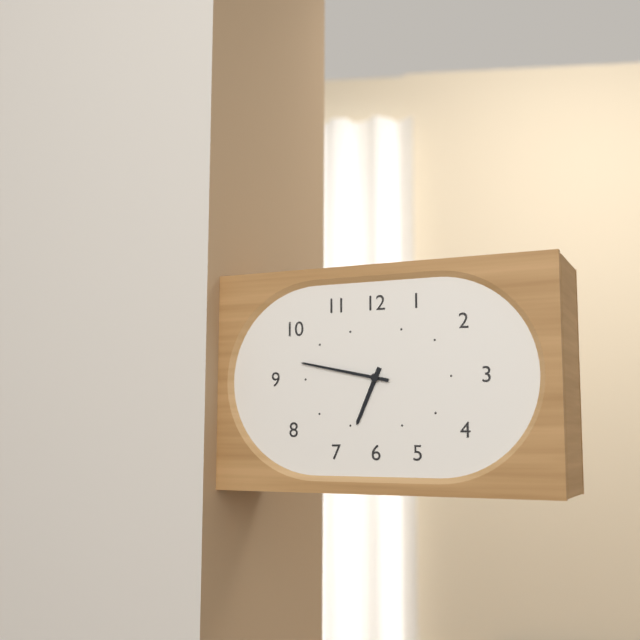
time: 6:47
